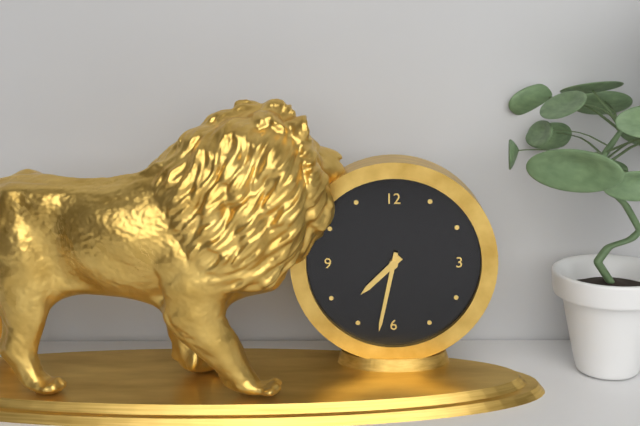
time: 7:32
